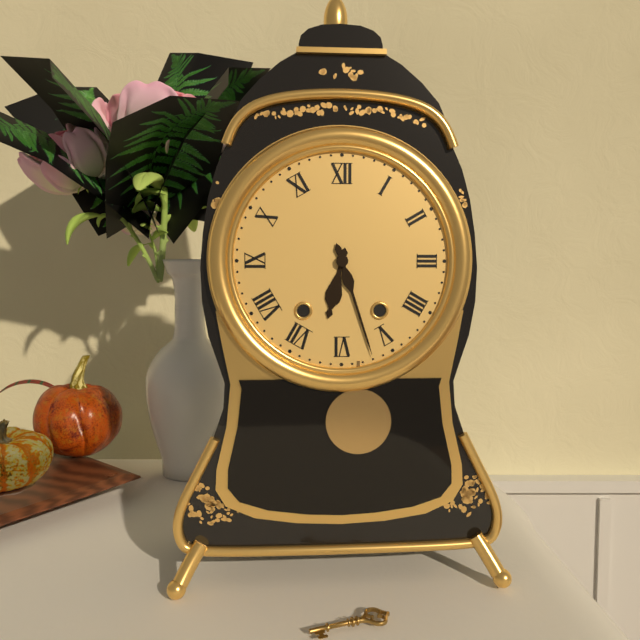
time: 6:27
